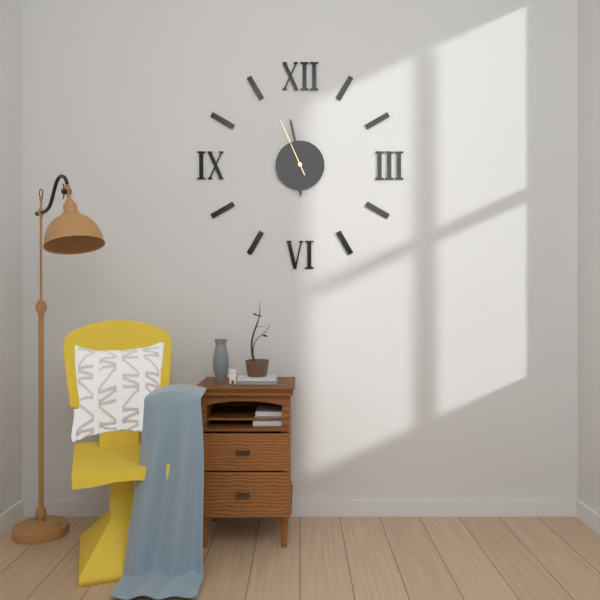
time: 5:58:56
